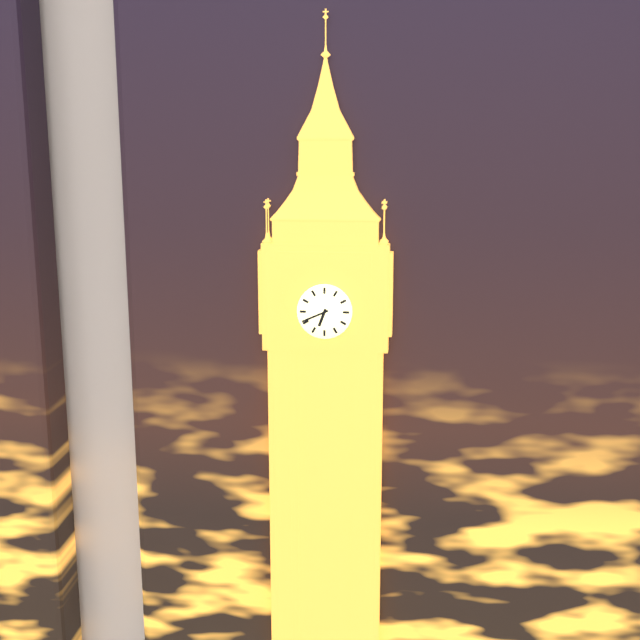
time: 6:41
